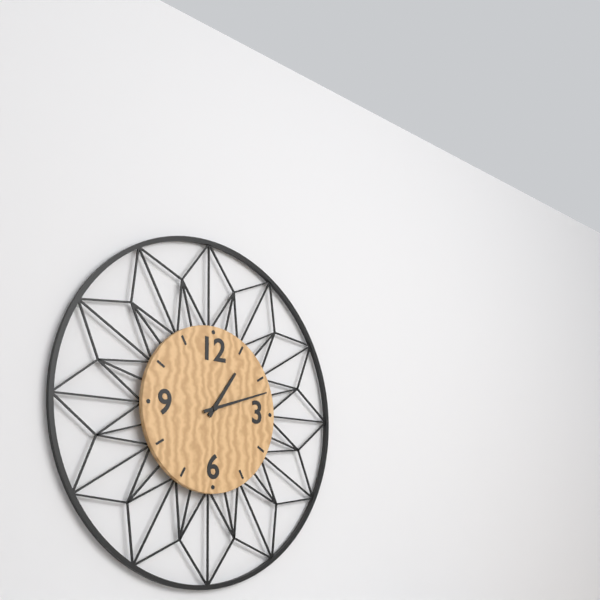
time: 1:12
